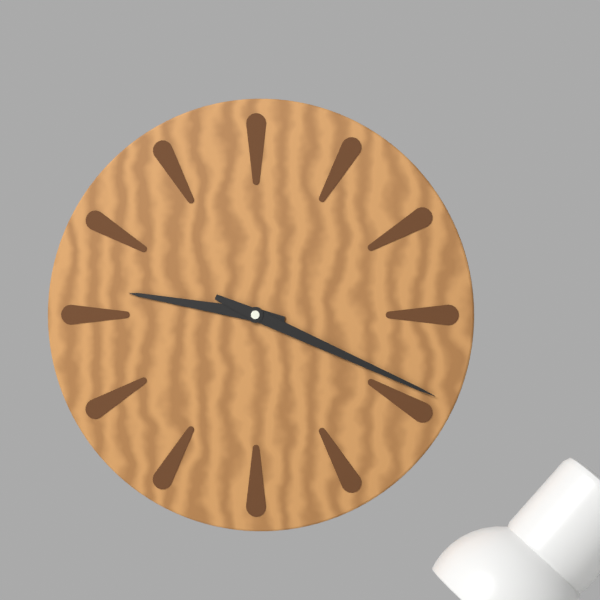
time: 9:19
